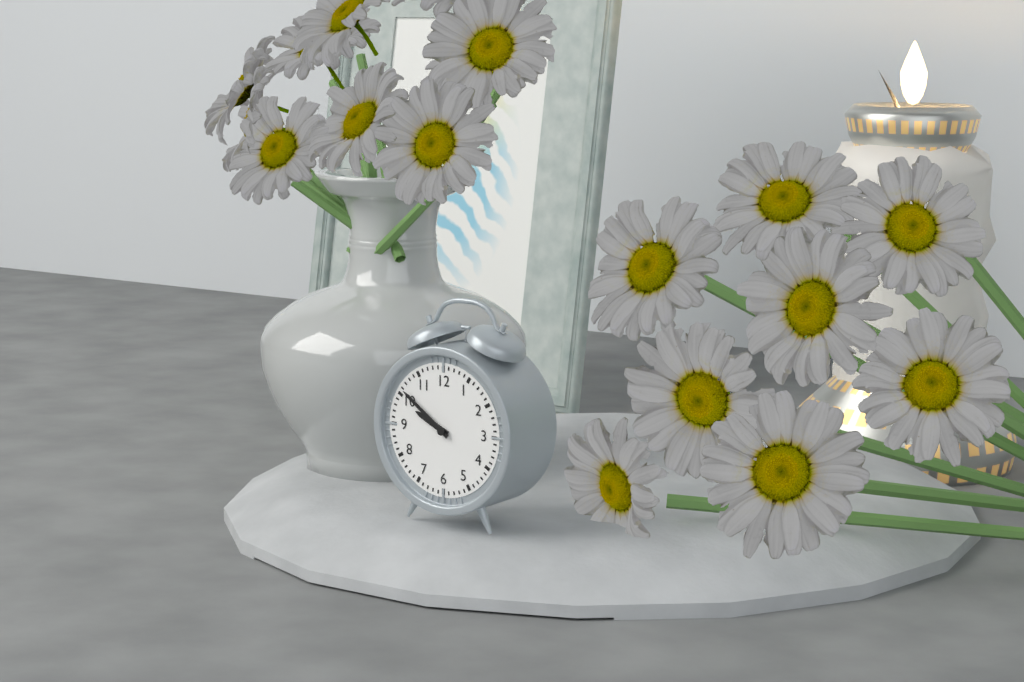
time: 9:51
